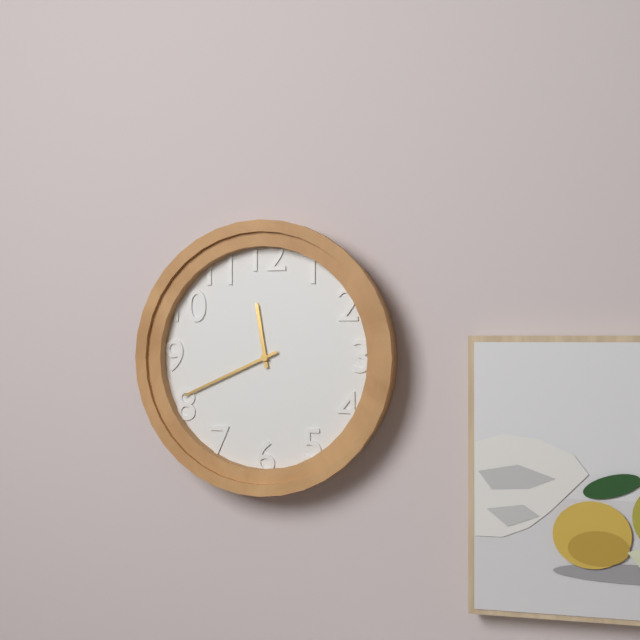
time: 11:41
